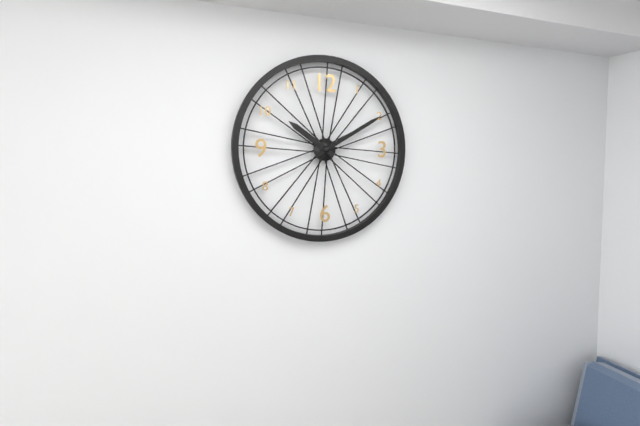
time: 10:10
